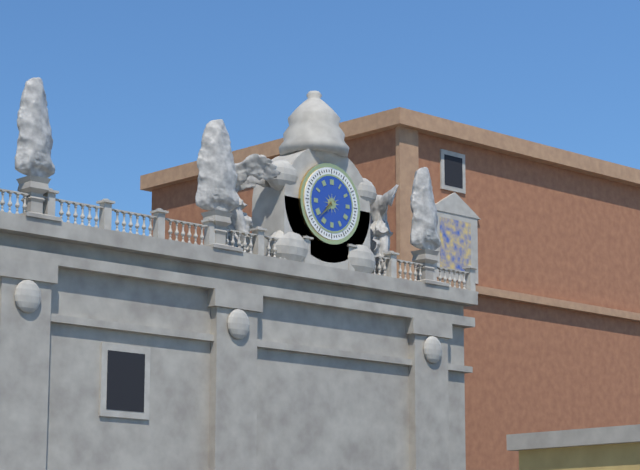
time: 7:38
